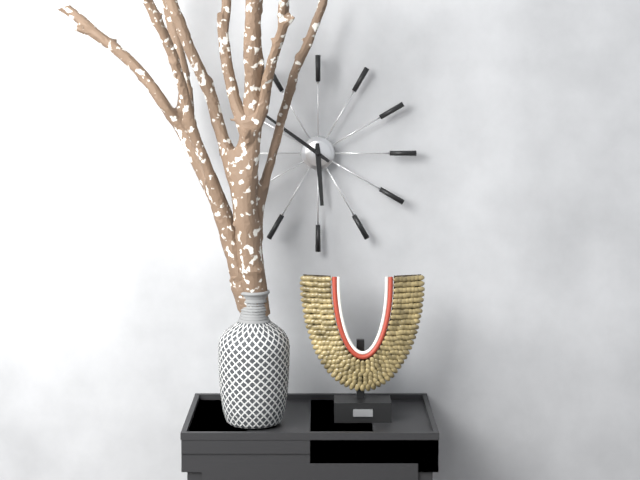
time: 5:51
